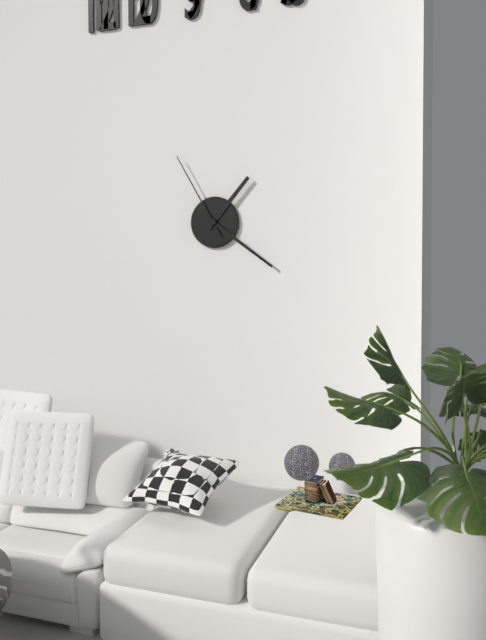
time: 1:21:55
